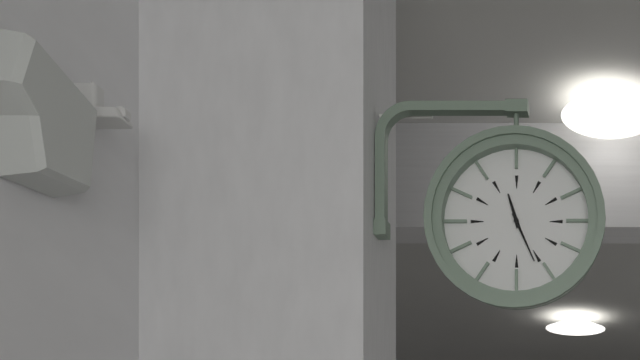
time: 11:26
